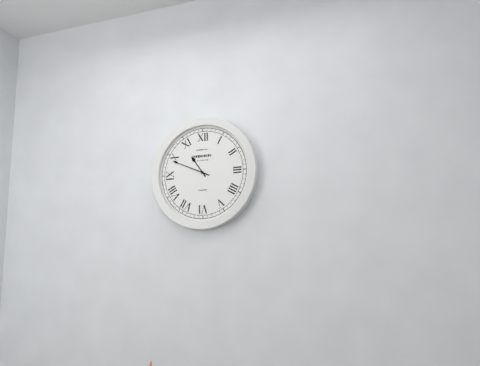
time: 10:49
